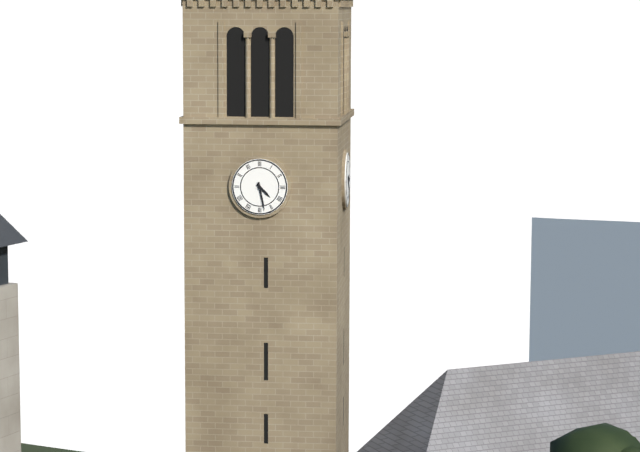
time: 4:28
